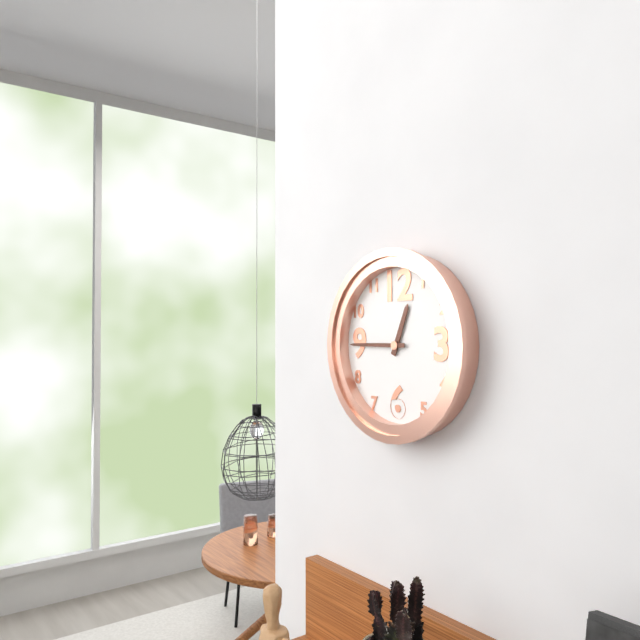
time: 12:45
